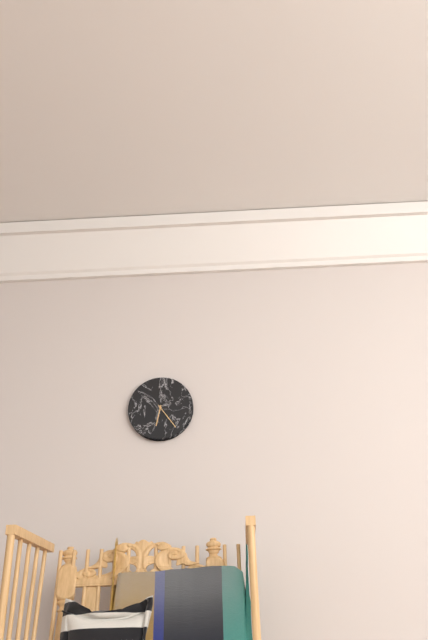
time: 6:24
